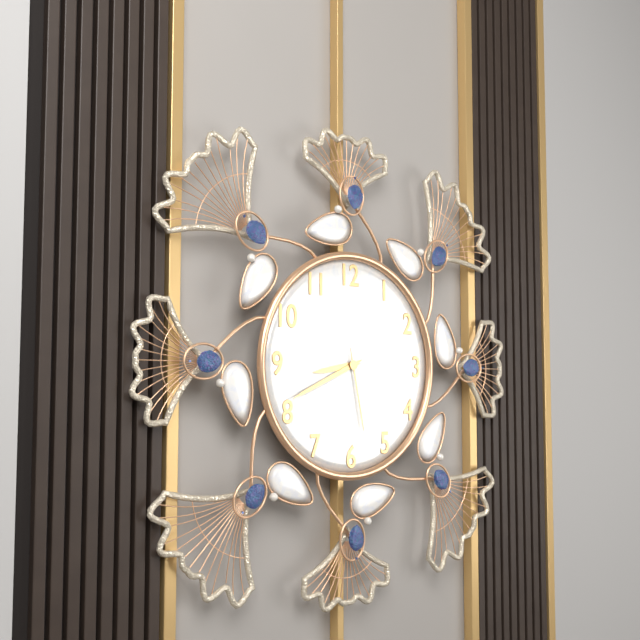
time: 8:41:28
